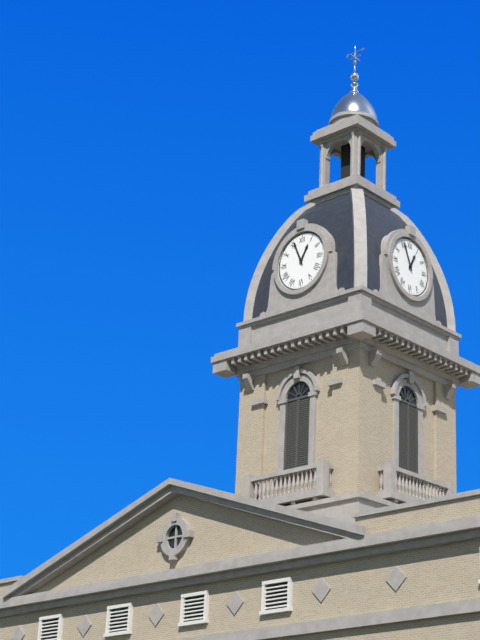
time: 12:56
